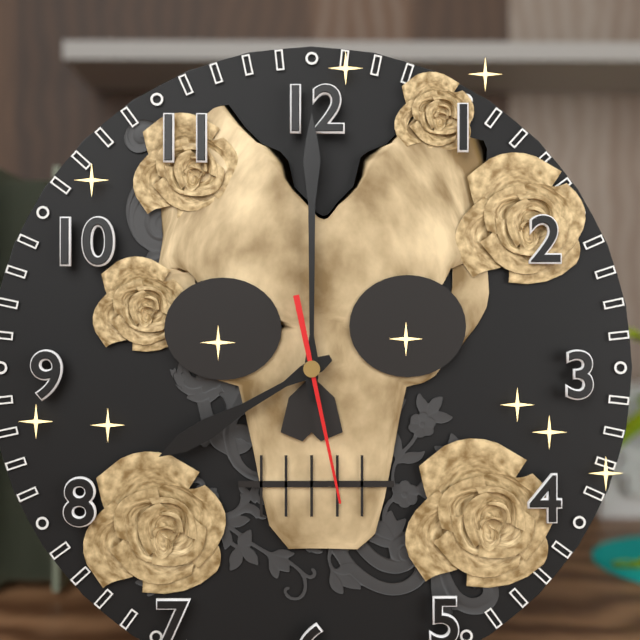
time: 8:00:28
